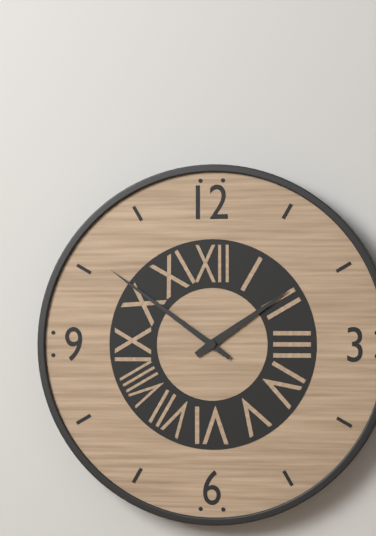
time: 1:51
